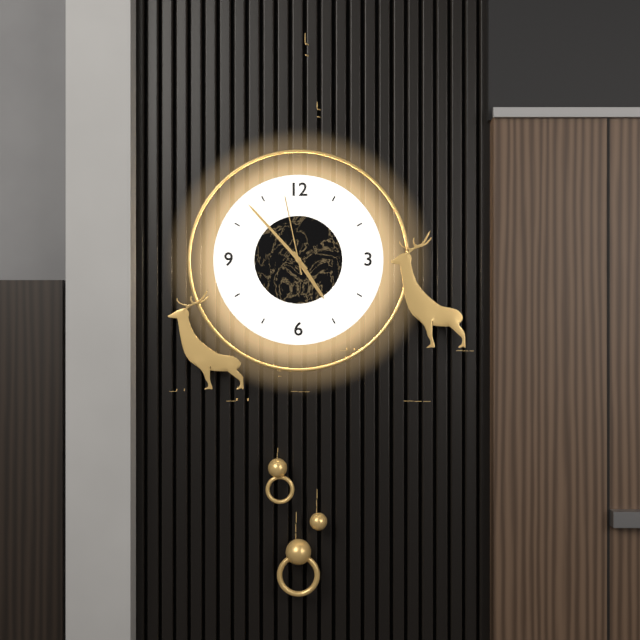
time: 4:53:58
